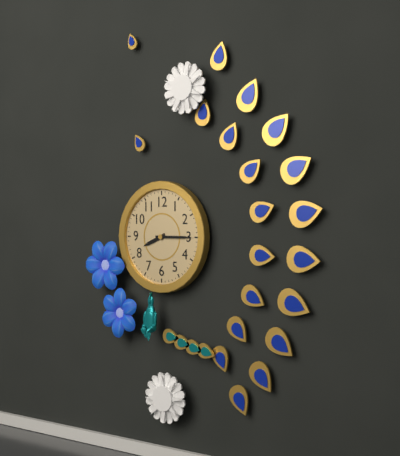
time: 8:15
